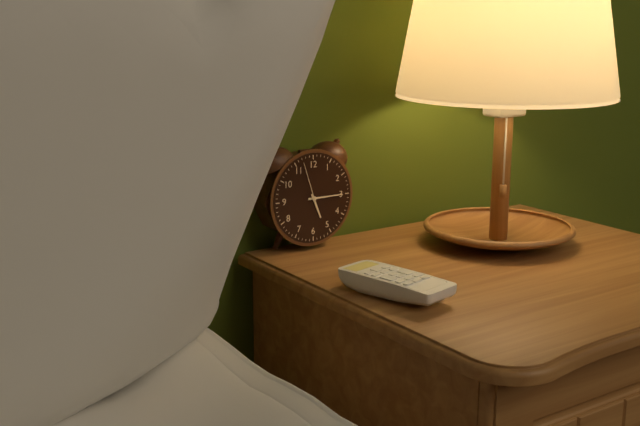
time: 5:15
